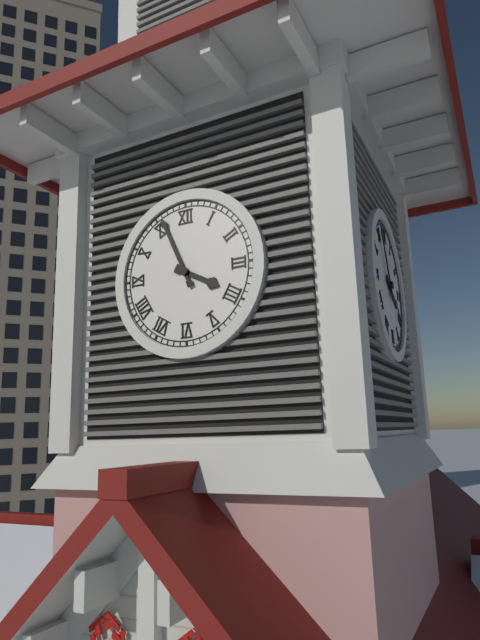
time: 3:56
